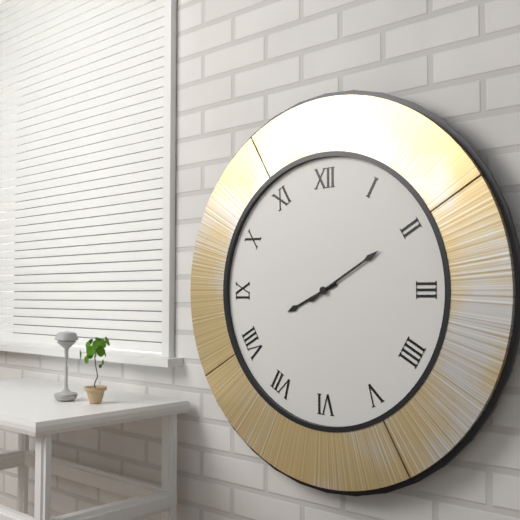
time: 8:10
